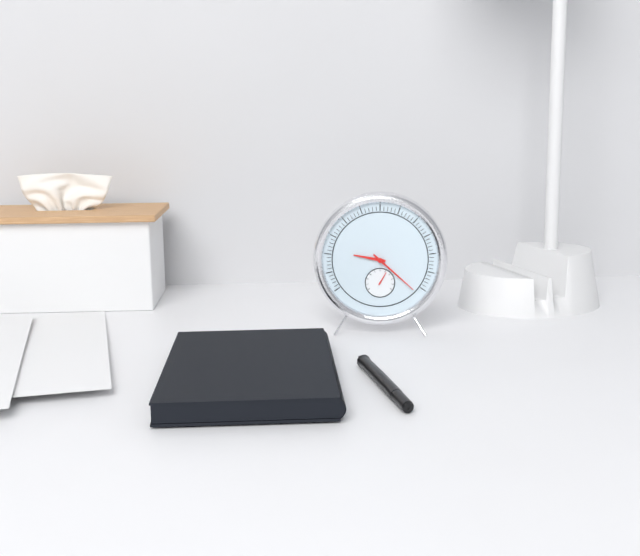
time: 9:22
